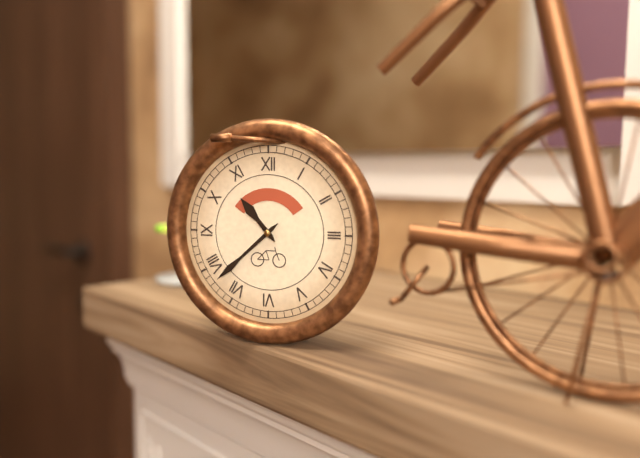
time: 10:38
